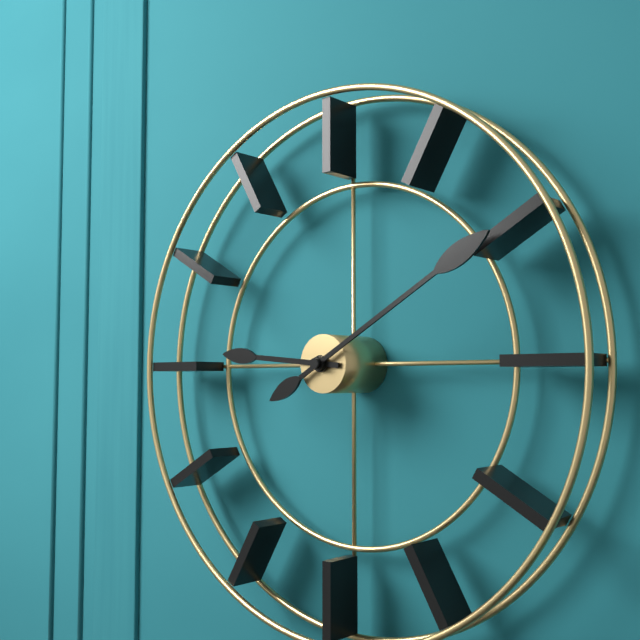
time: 9:10
